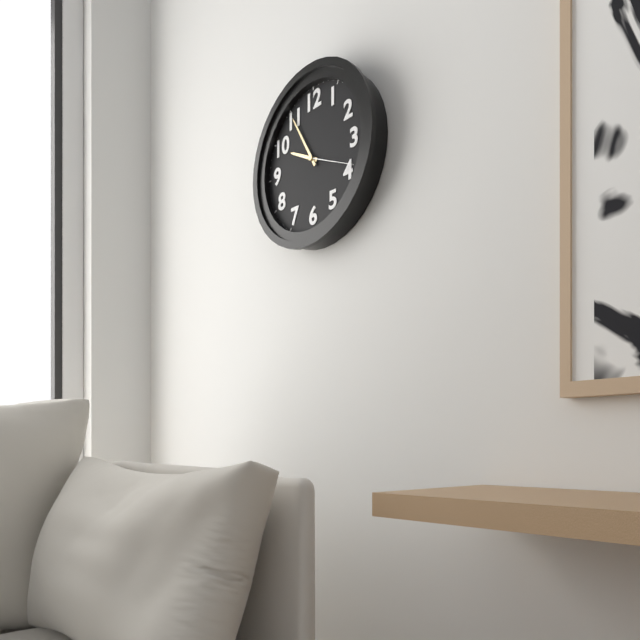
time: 9:55:19
